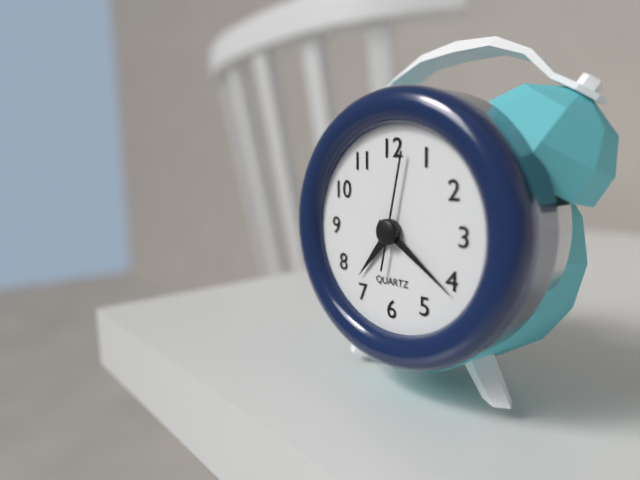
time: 7:21:02
